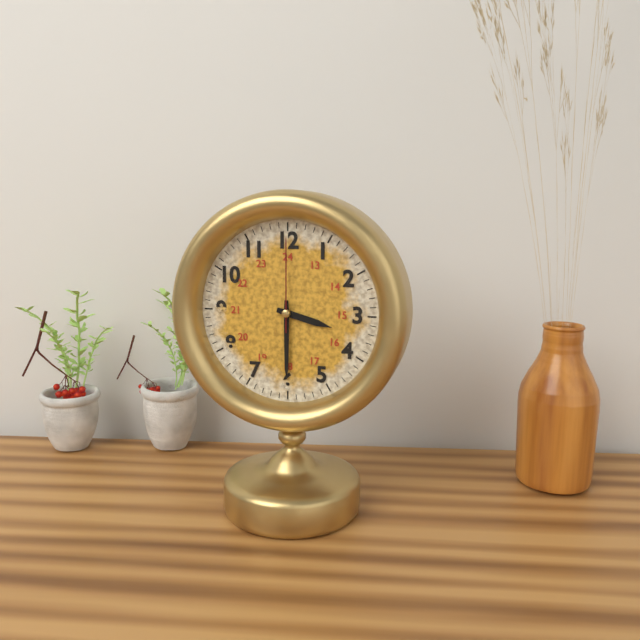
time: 3:30:00
